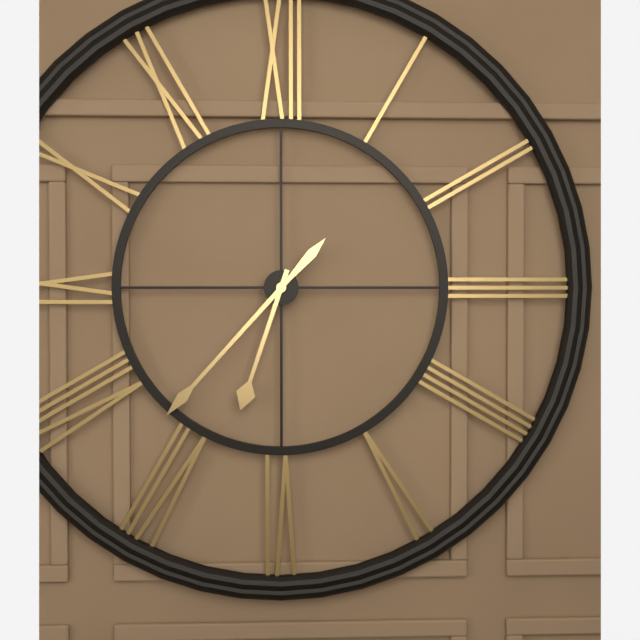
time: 6:37
